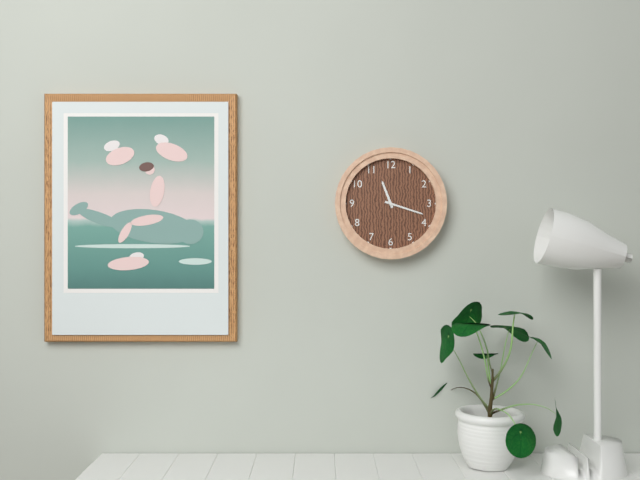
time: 11:18
